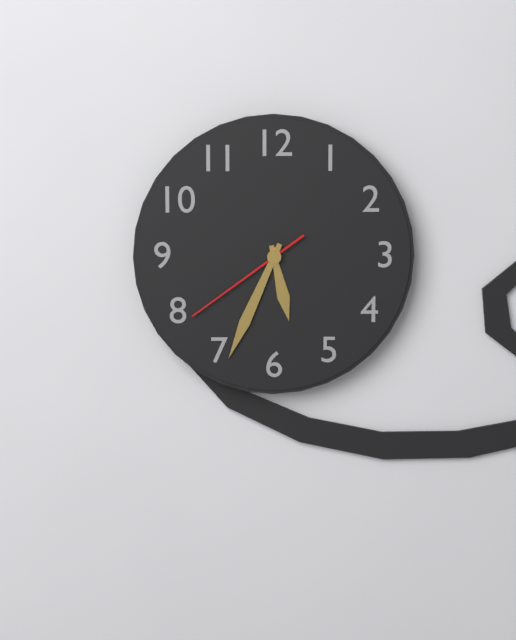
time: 5:34:39
